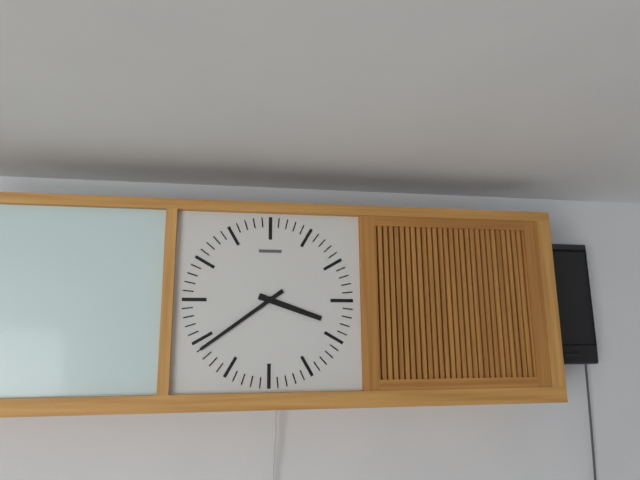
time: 3:39
